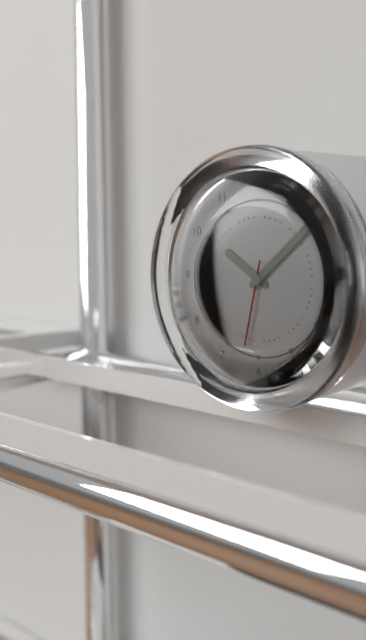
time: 10:08:32
